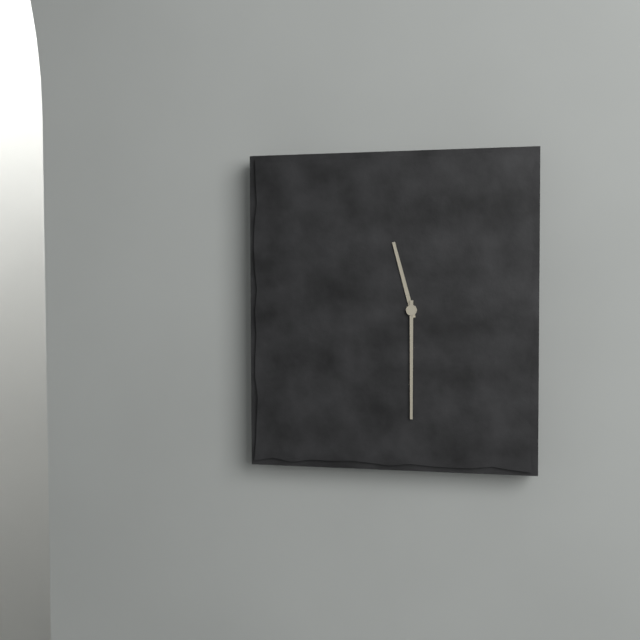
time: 11:30
